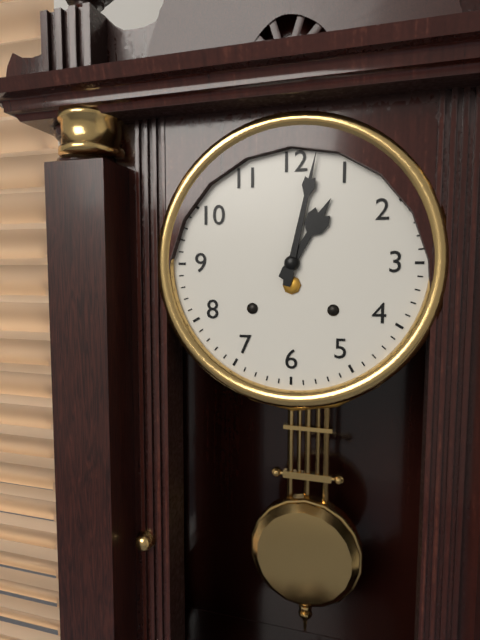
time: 1:02
